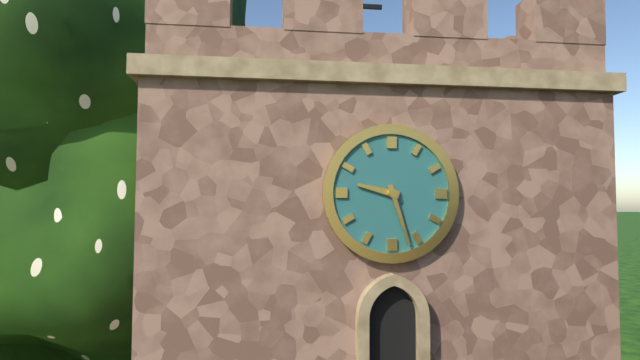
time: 9:27
